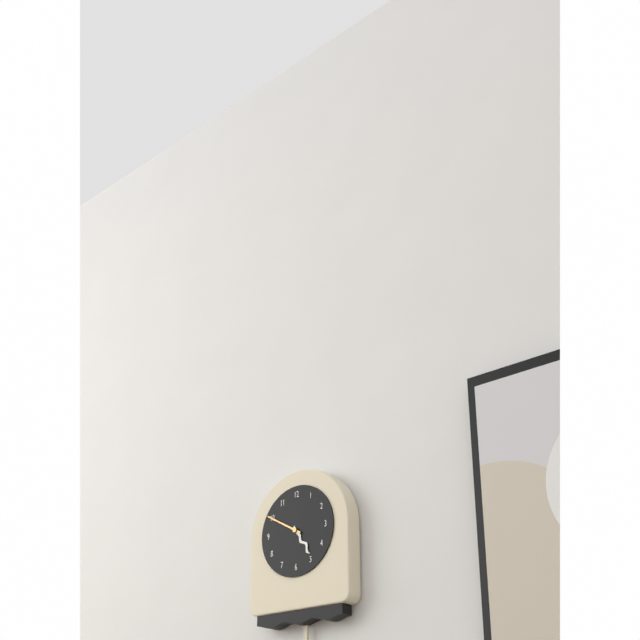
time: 4:50
